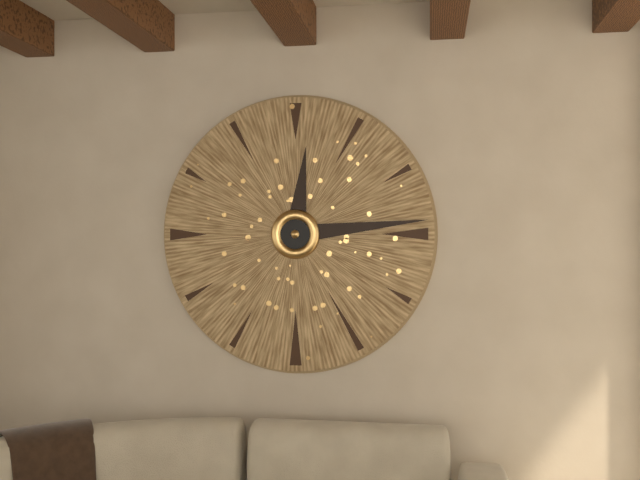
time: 12:14
